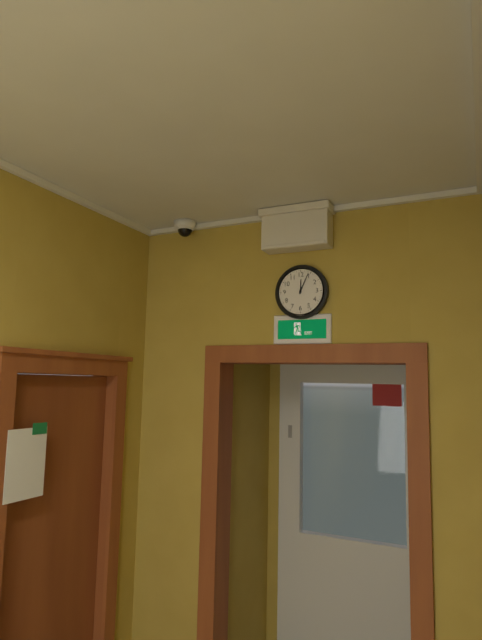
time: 12:04
